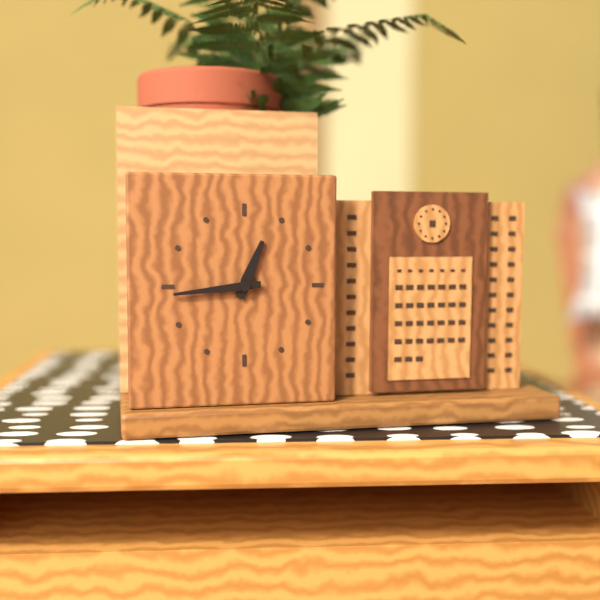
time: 12:44
